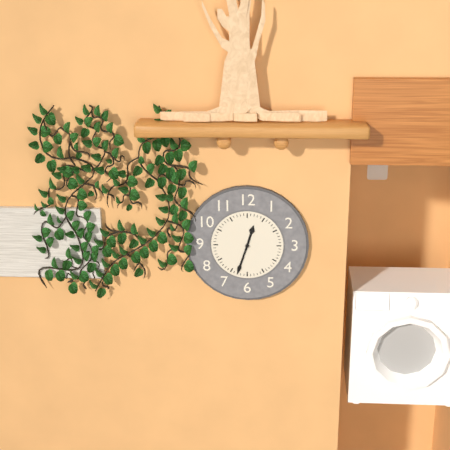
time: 12:33
